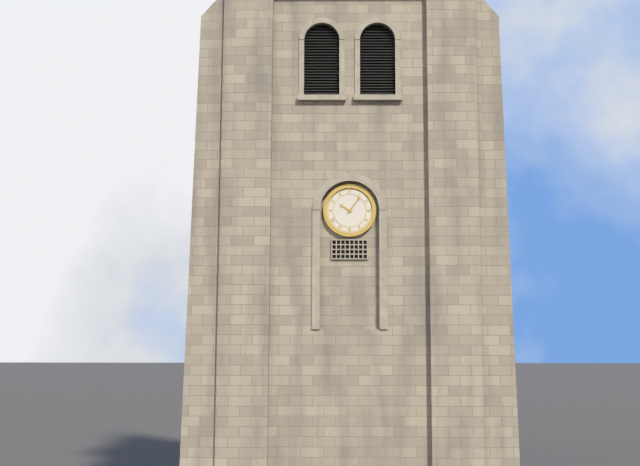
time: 10:06
